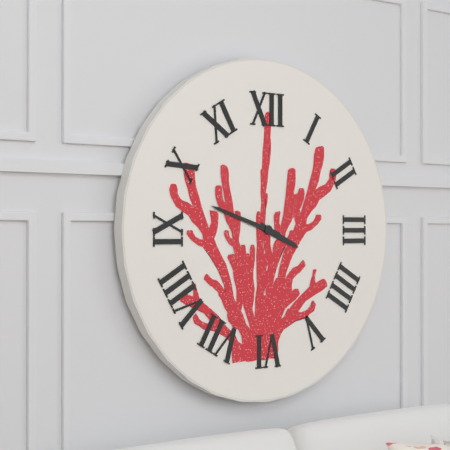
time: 3:48
